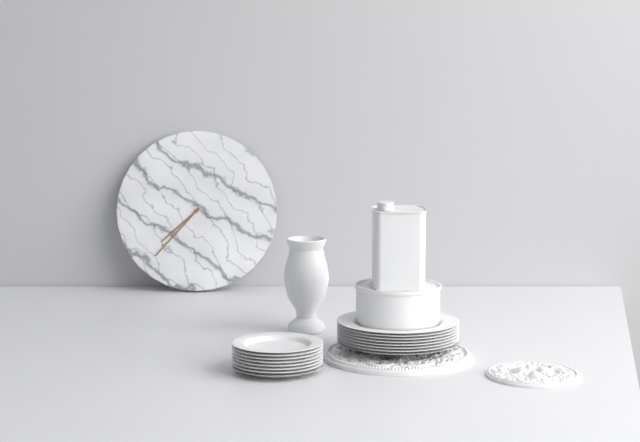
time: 7:37
